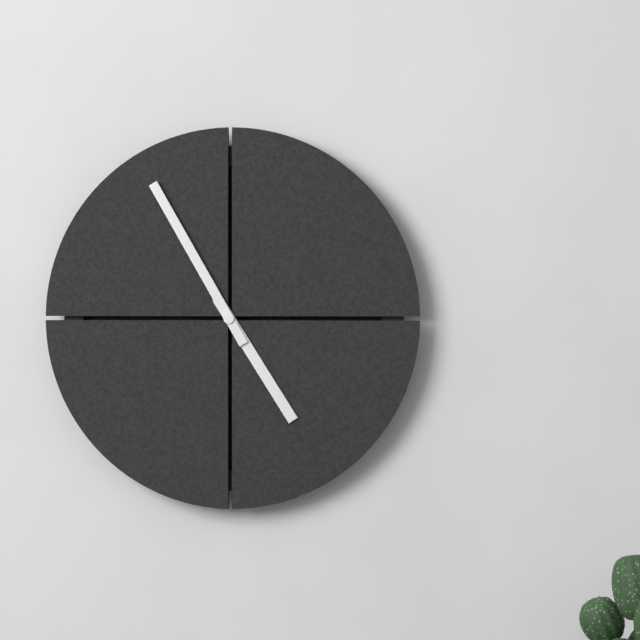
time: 4:55
